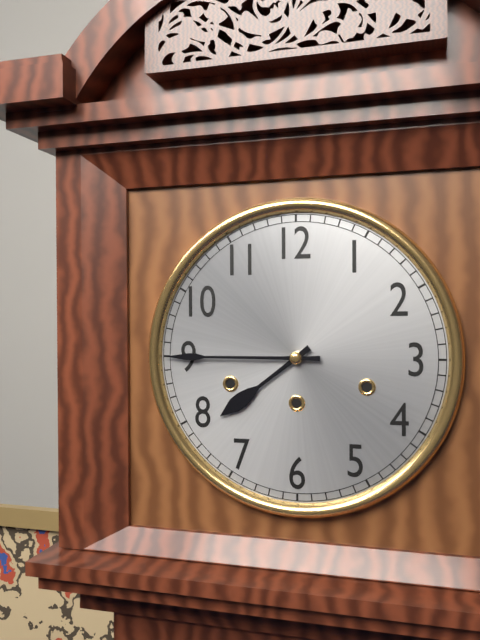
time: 7:45
